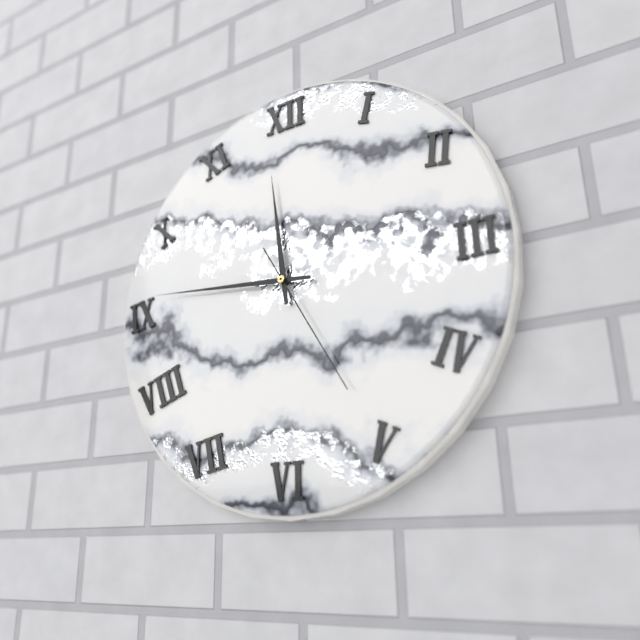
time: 11:46:25
